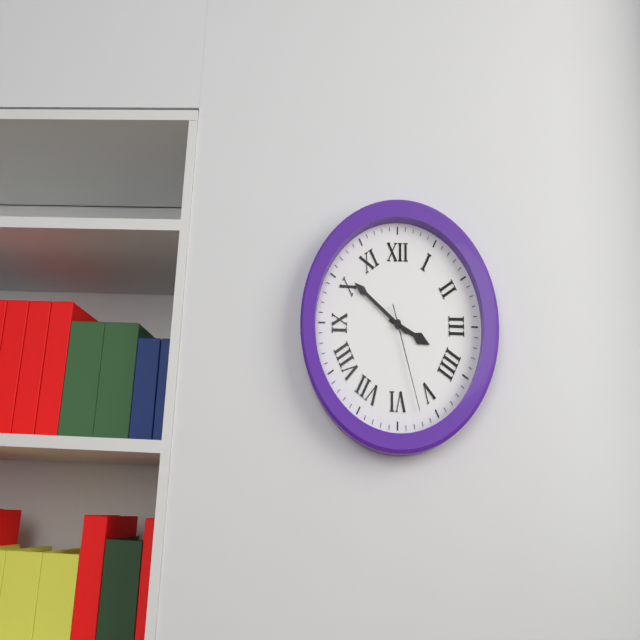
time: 3:51:27
